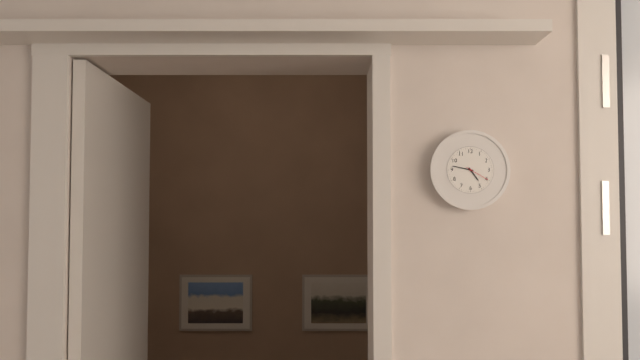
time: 4:47
